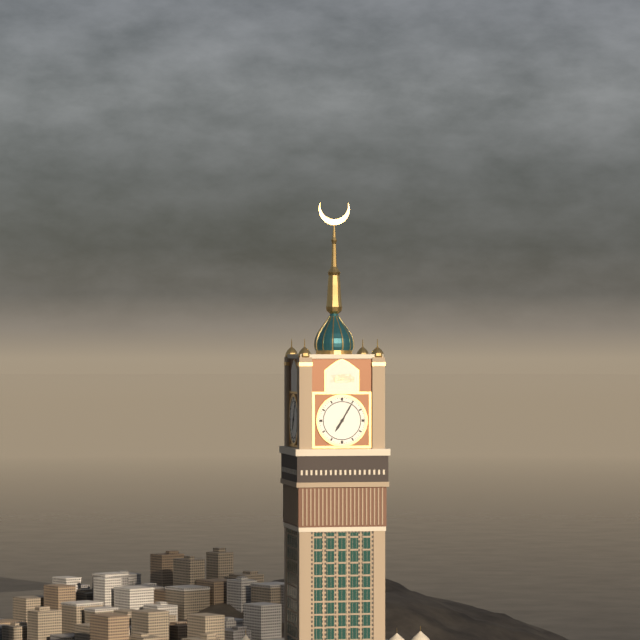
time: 7:05
